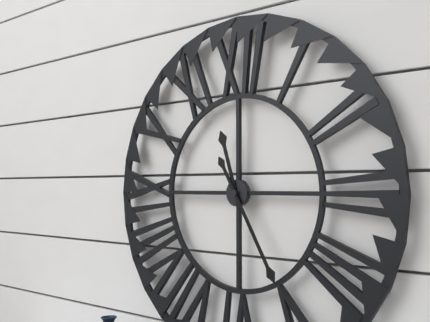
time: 11:25
